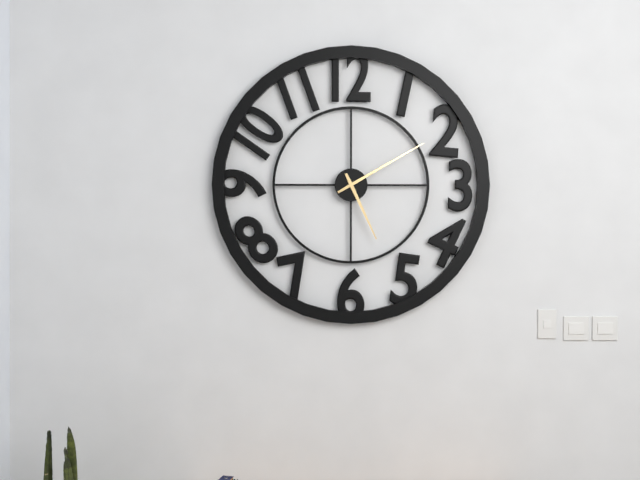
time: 5:10
